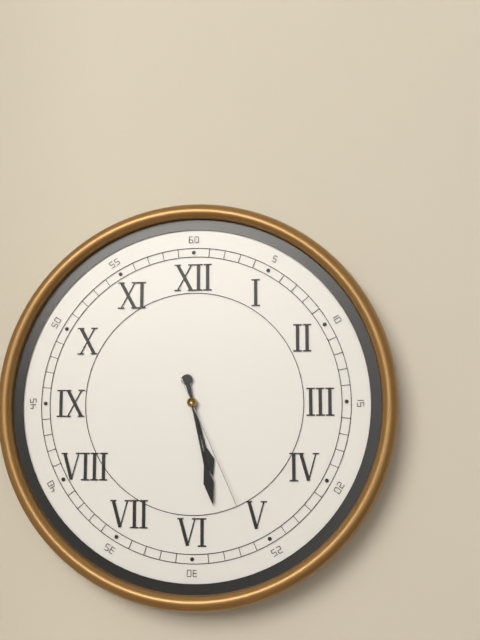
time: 5:28:26
